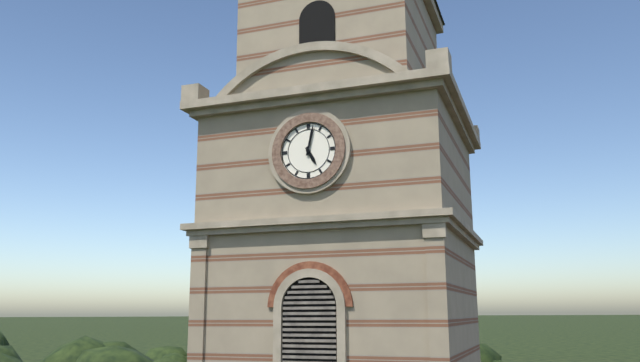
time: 5:02
